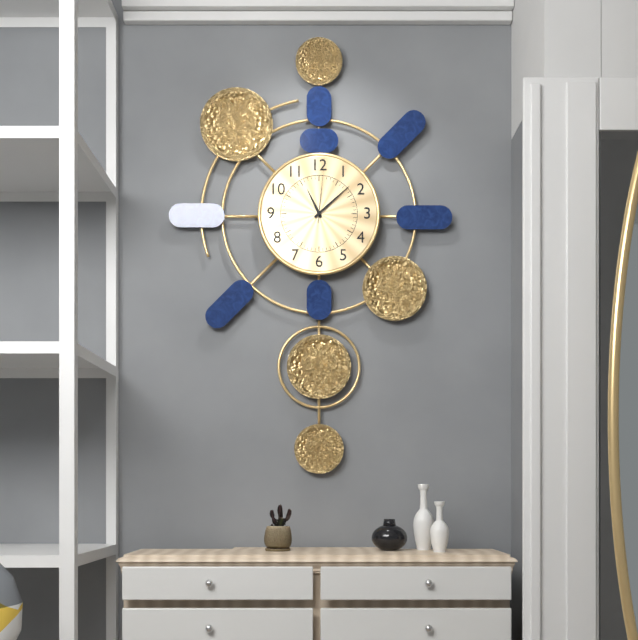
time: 11:08:01
